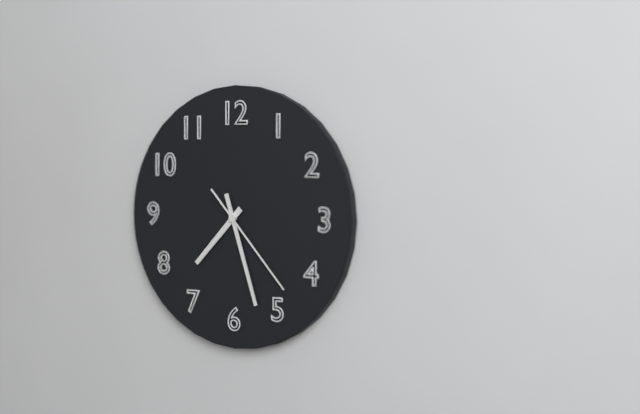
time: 7:27:23
